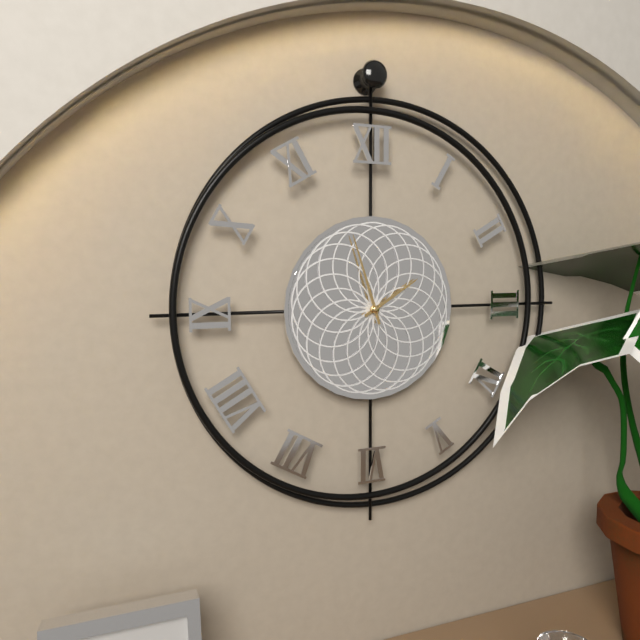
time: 1:57
